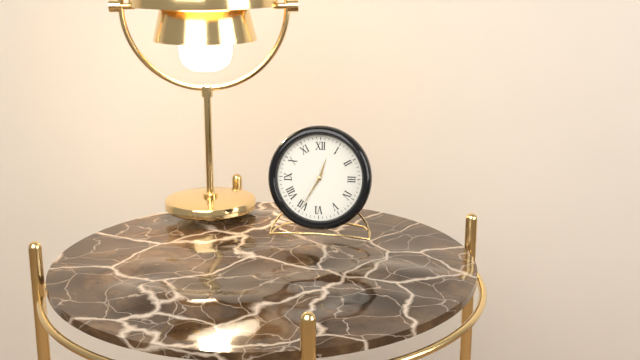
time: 12:35
